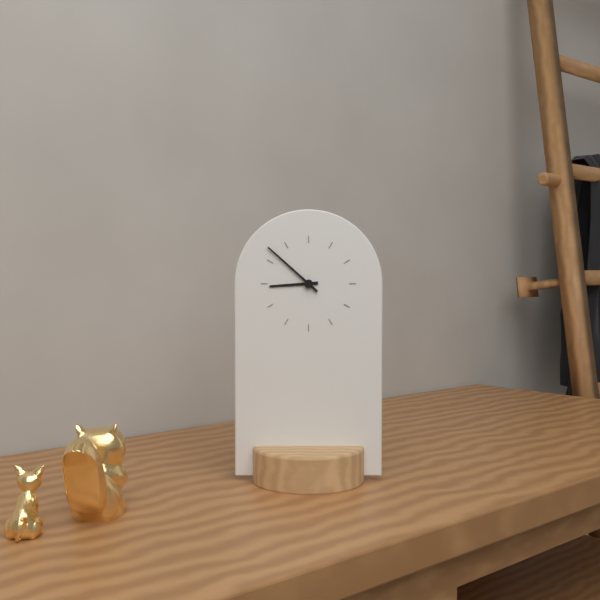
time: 8:52
